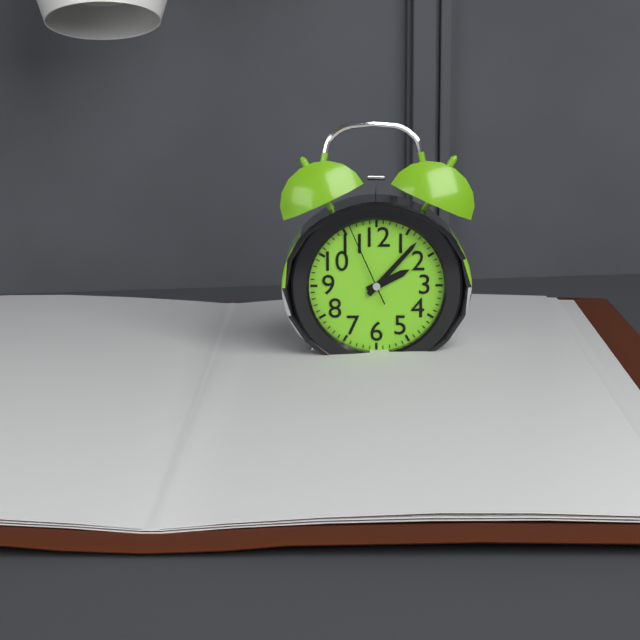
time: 2:07:56
